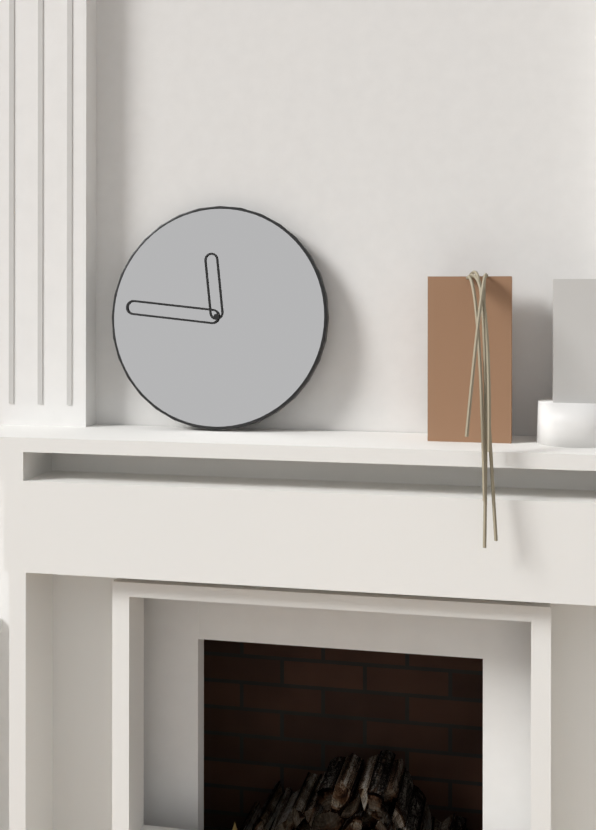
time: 11:46
